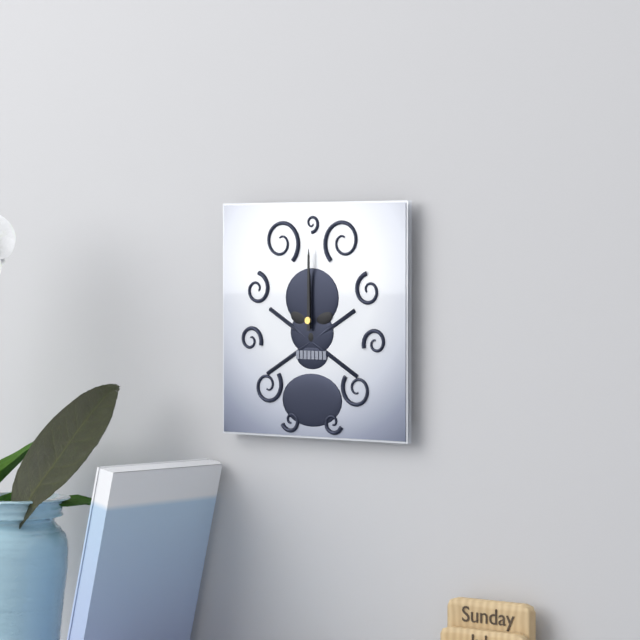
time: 12:00
